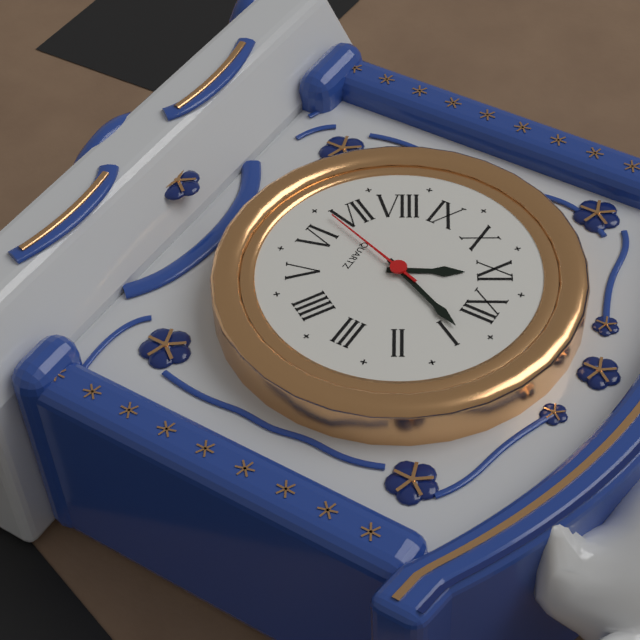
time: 11:04:33
